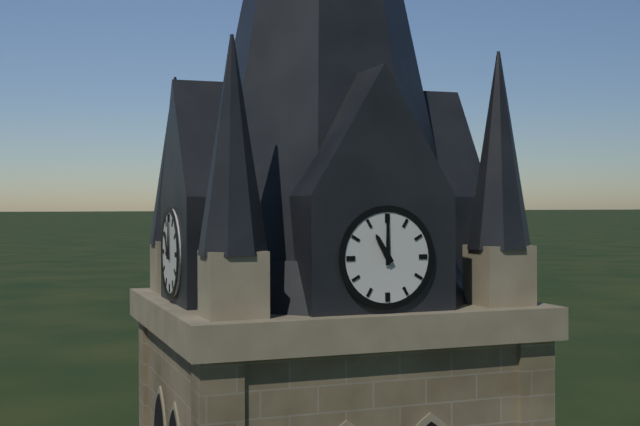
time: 11:00
